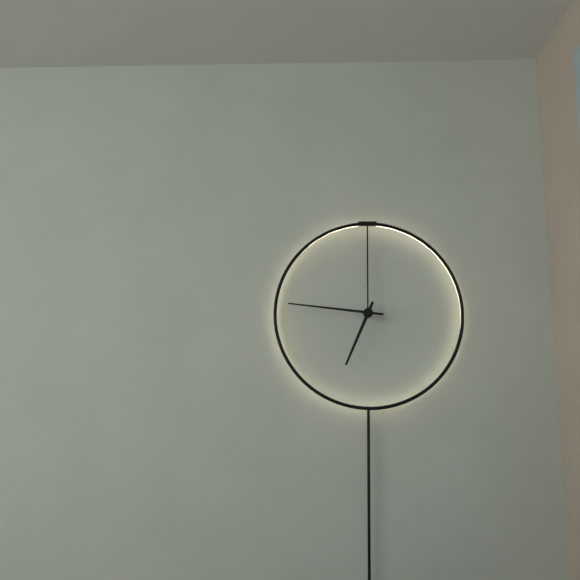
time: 6:46
